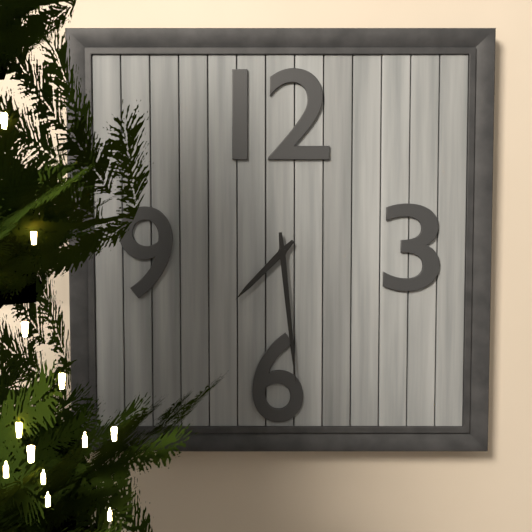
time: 7:29
